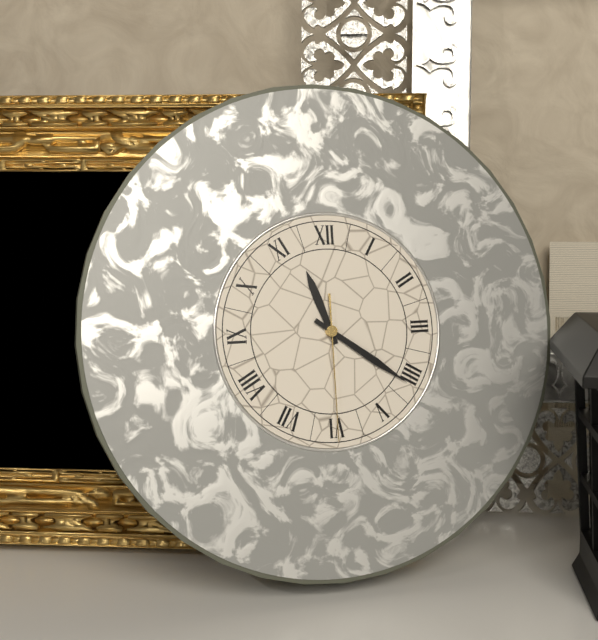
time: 11:21:30
